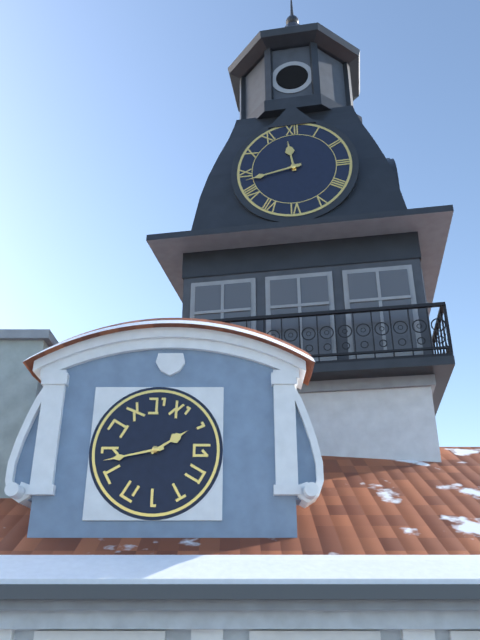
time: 11:43
